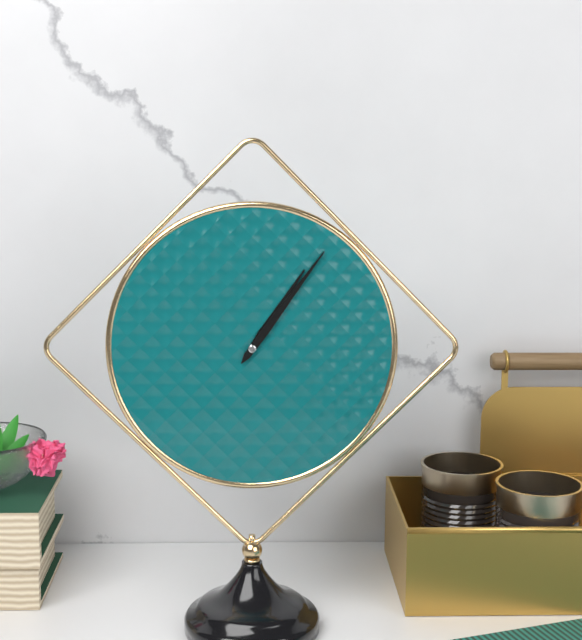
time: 1:06
